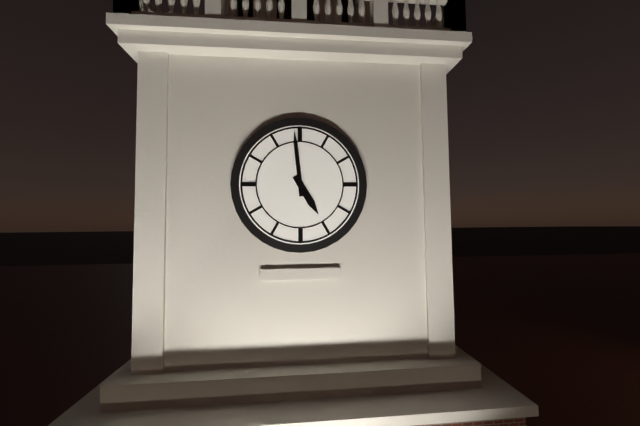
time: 4:59
